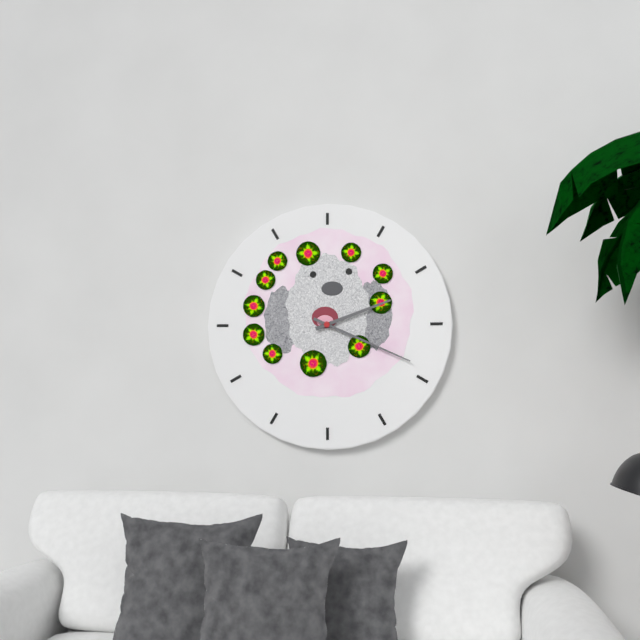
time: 2:19
